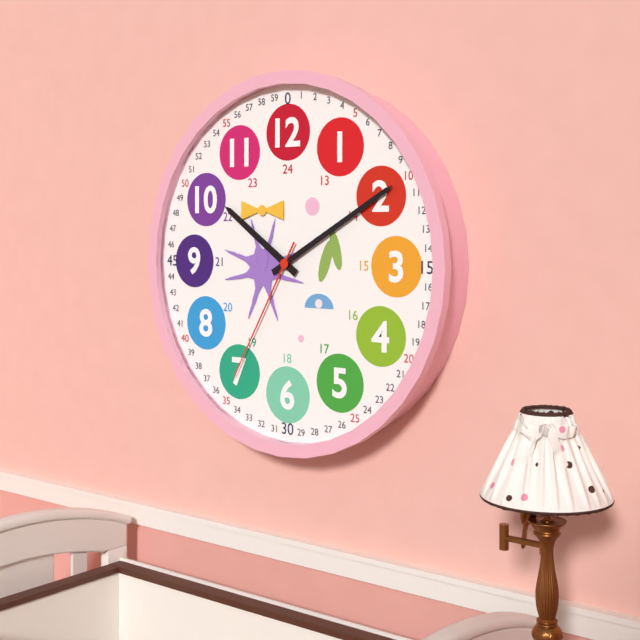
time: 10:10:35
